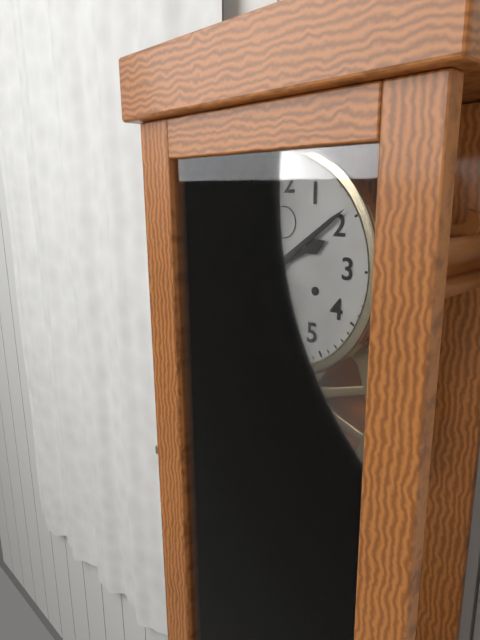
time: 2:09
